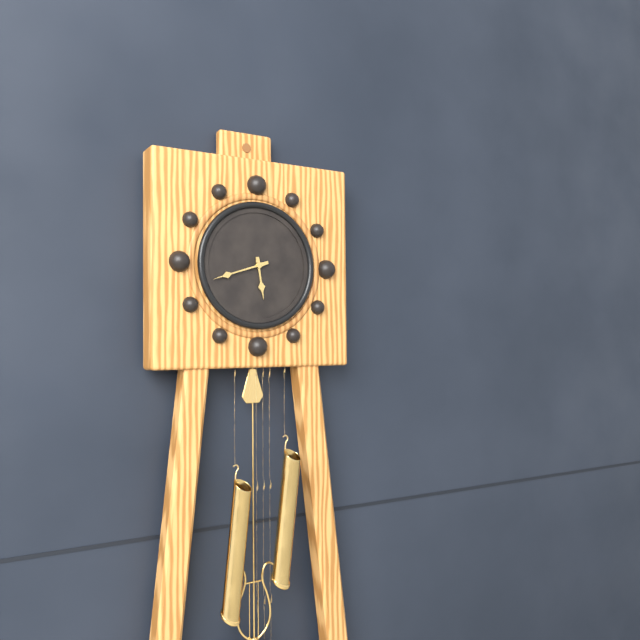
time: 5:42
